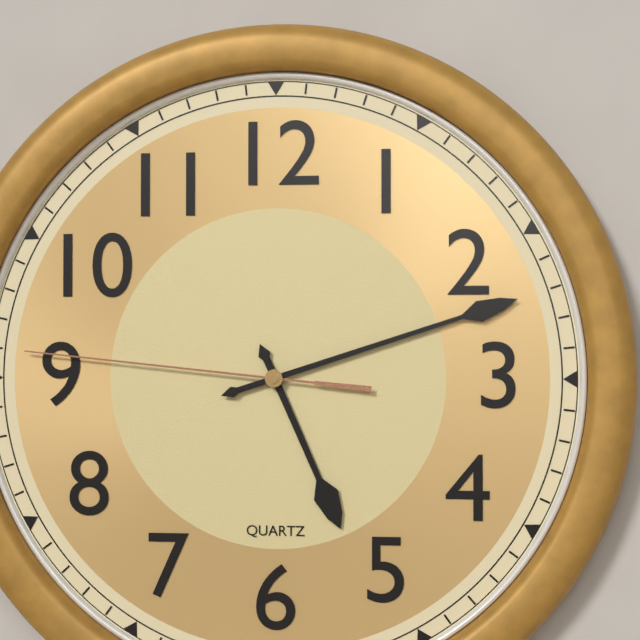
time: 5:12:46
